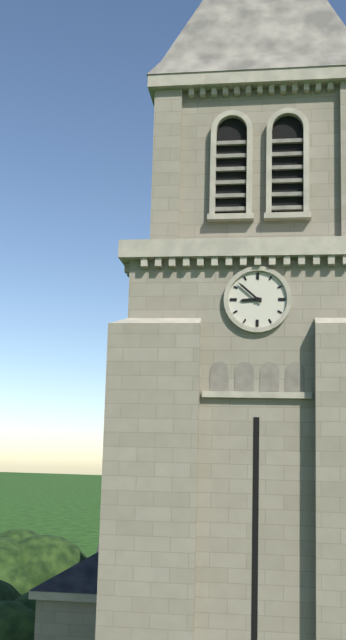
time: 8:52
